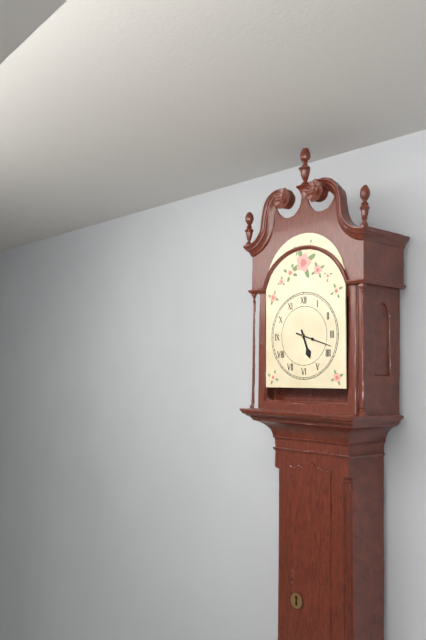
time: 5:18
